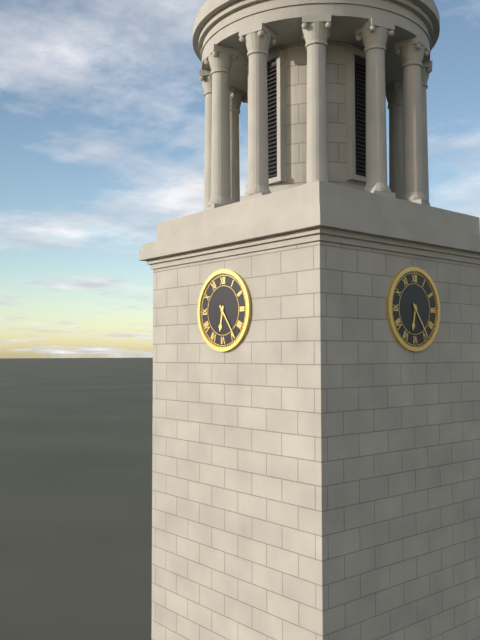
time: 6:24
